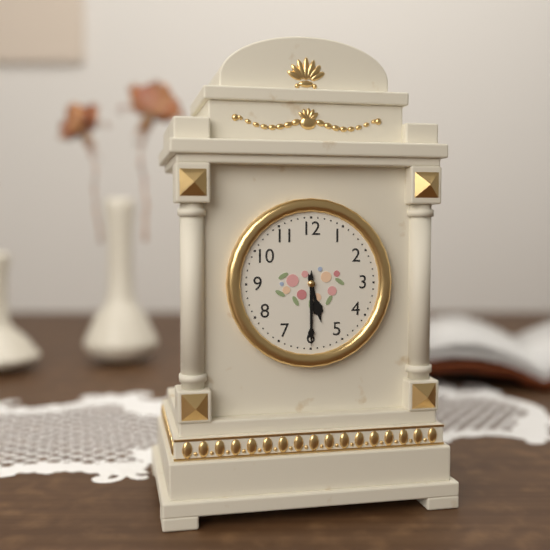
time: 5:30
